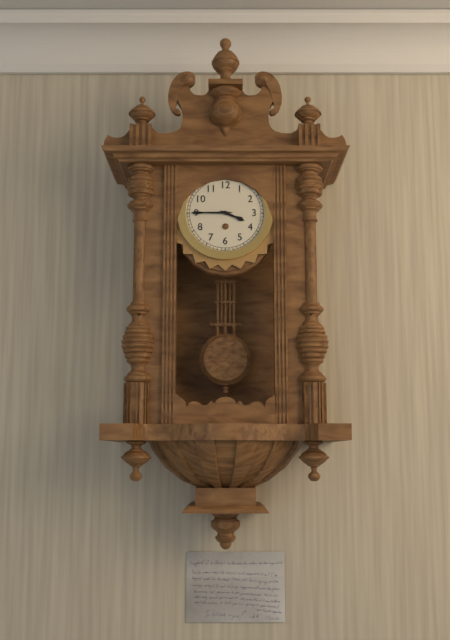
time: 3:45
